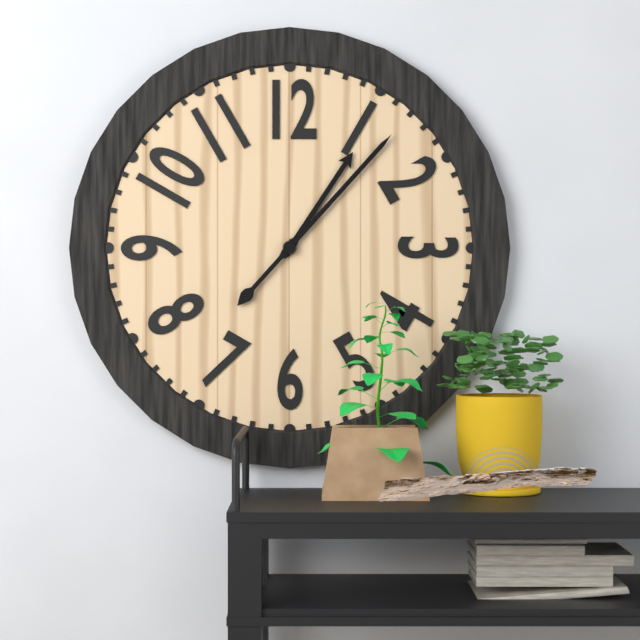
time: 1:07
